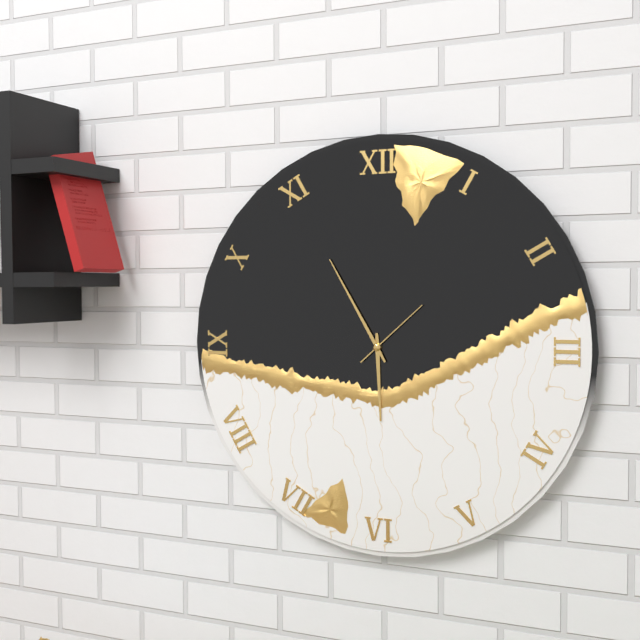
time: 5:55:08
